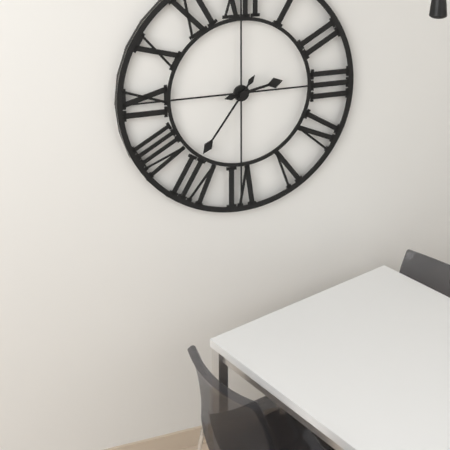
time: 2:36
